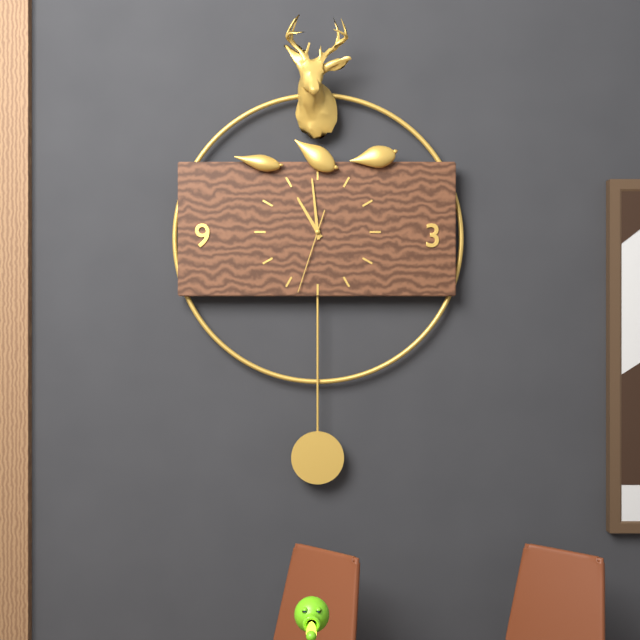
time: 10:59:33
